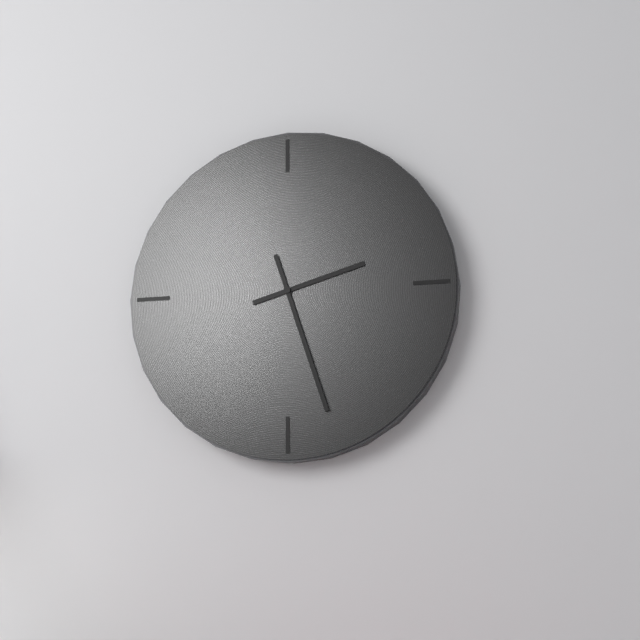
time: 2:27
